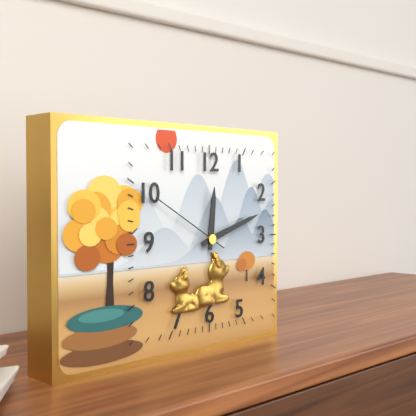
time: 12:12:50
